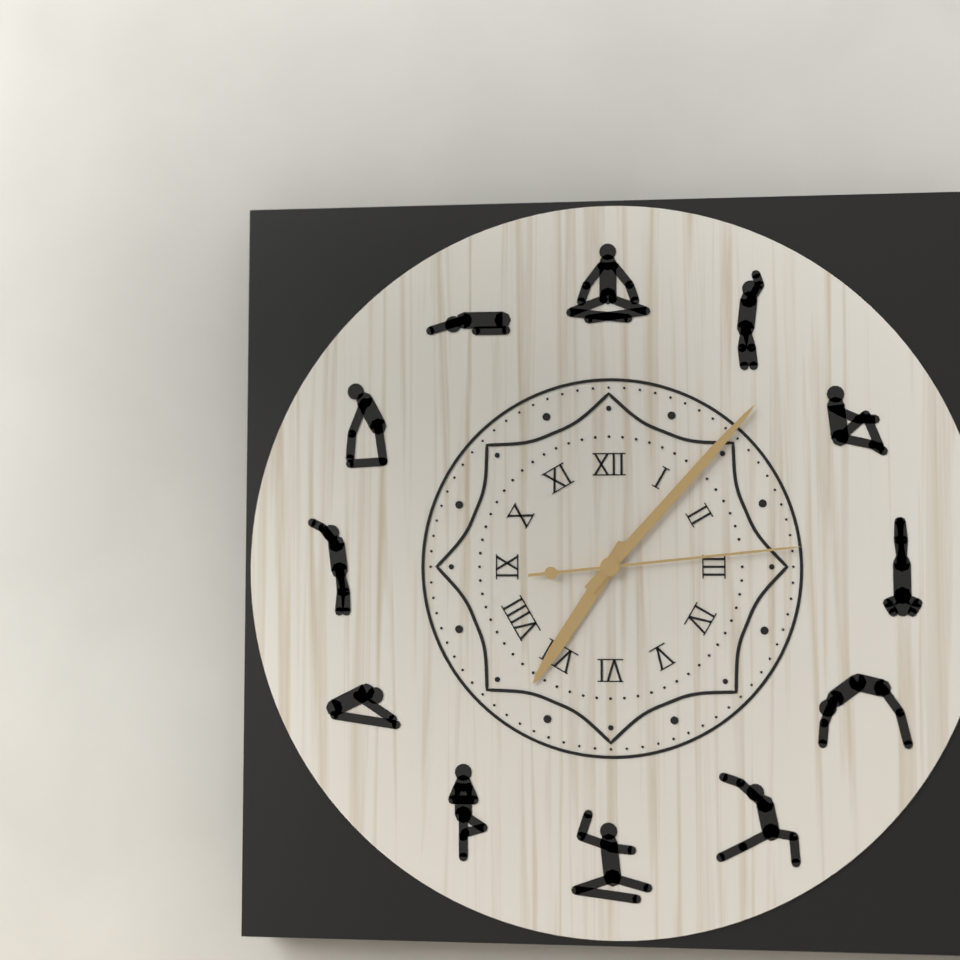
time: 7:07:14
